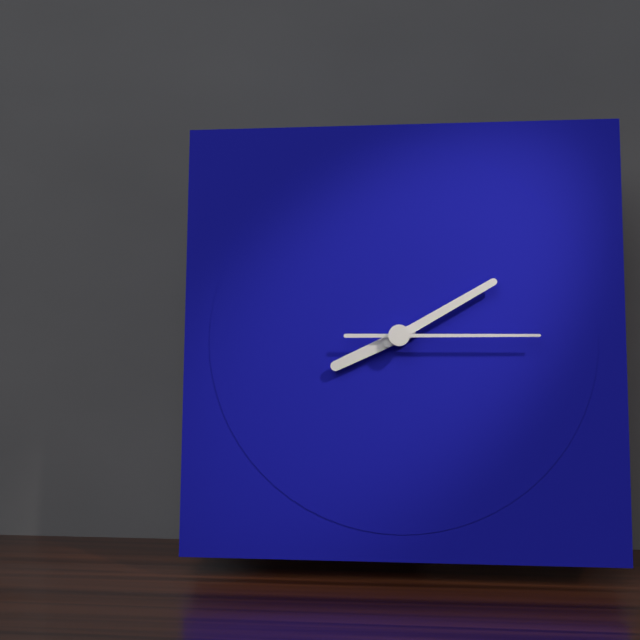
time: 8:10:15
